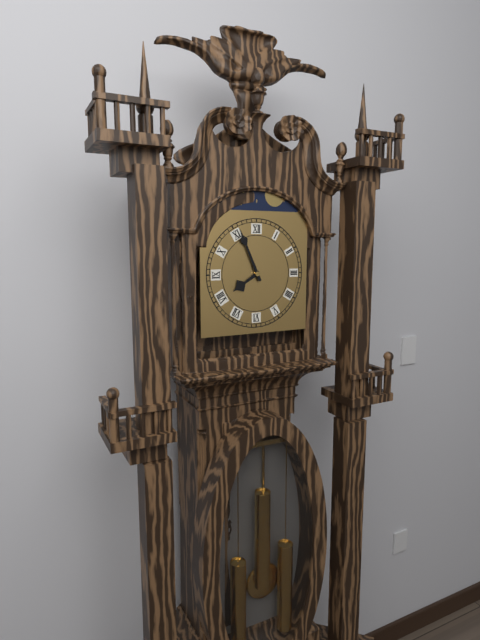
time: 7:56
